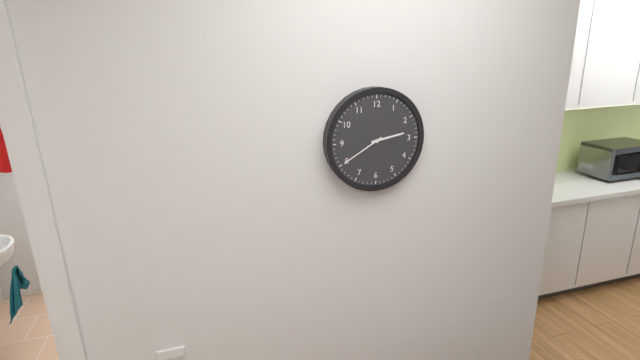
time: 2:40
